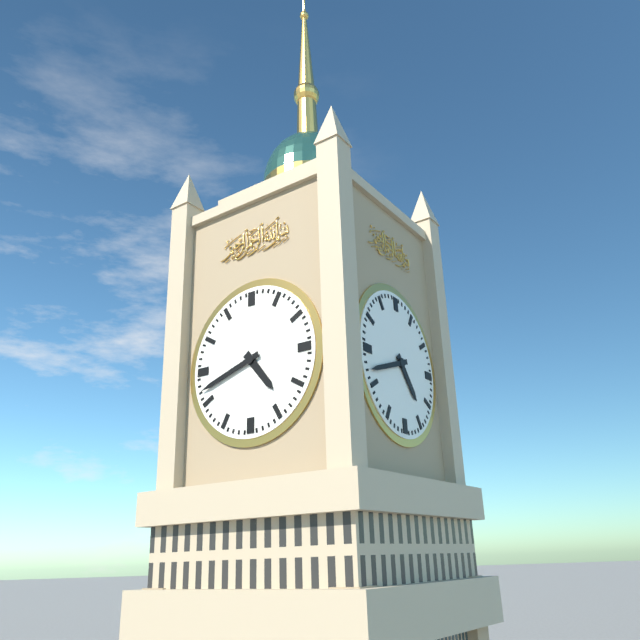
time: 4:42
